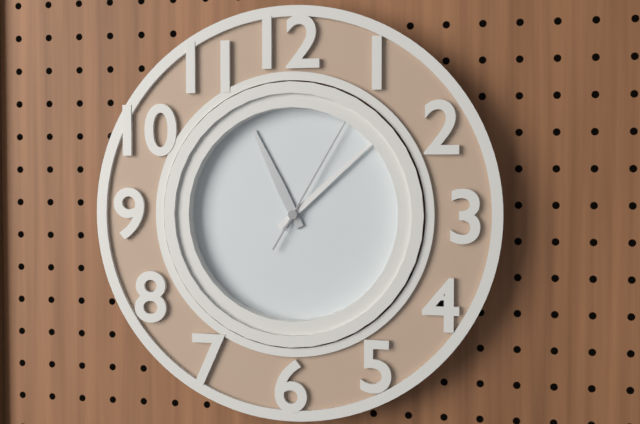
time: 11:08:05
